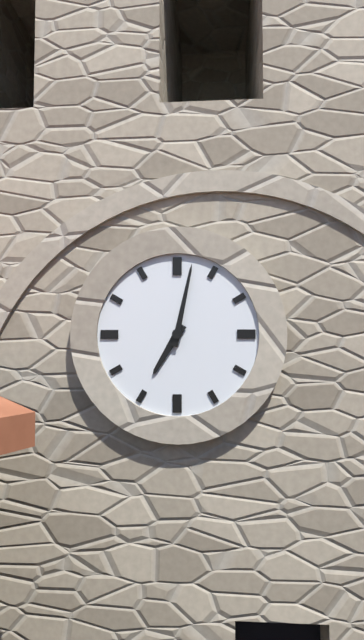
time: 7:02
